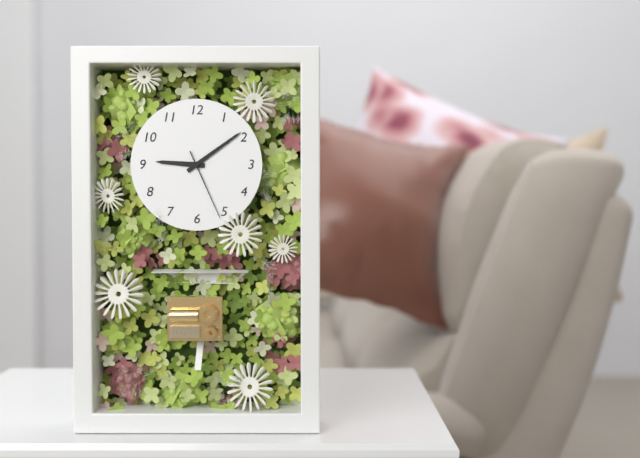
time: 9:09:26
